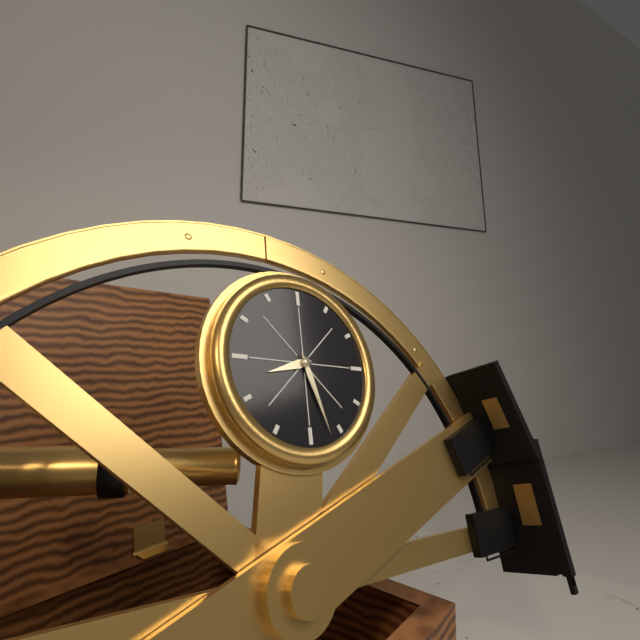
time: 8:27
